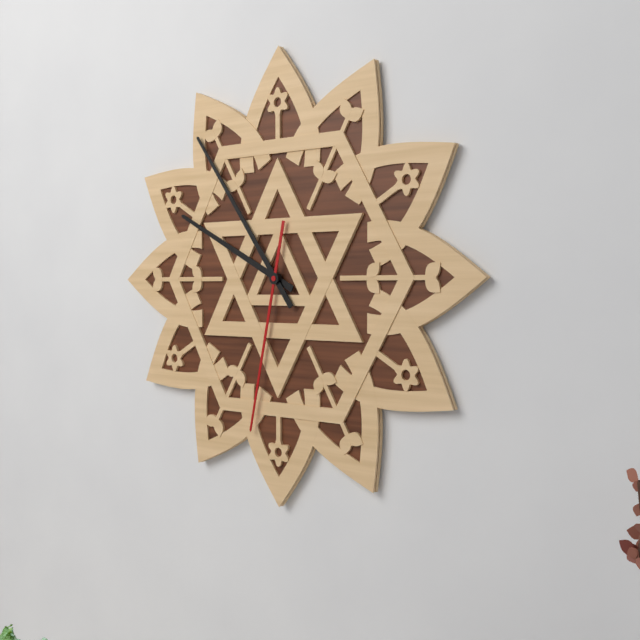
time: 9:54:32
